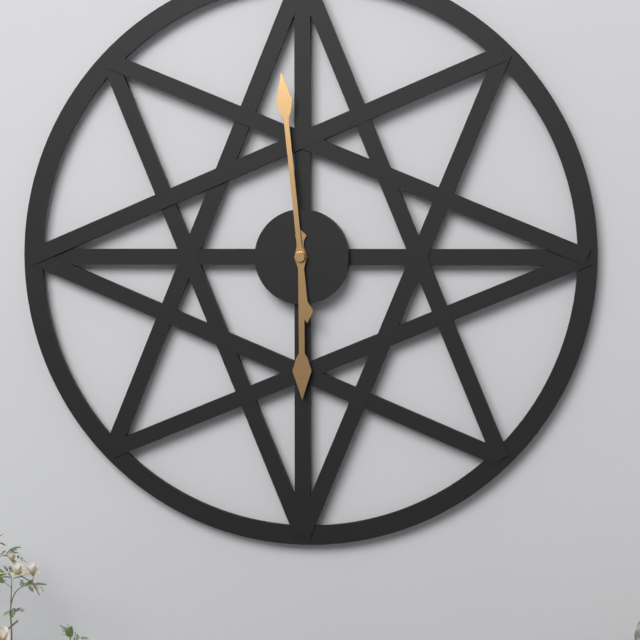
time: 5:59
